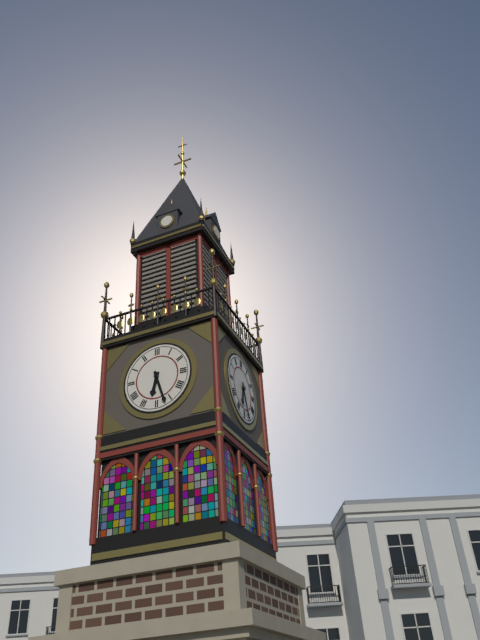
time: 6:27
